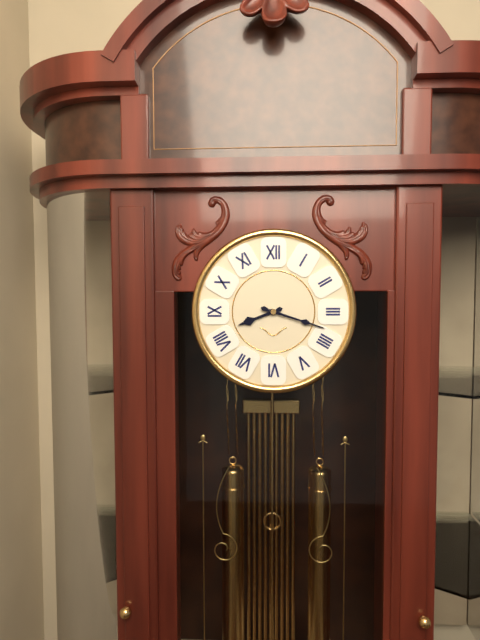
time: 8:18
